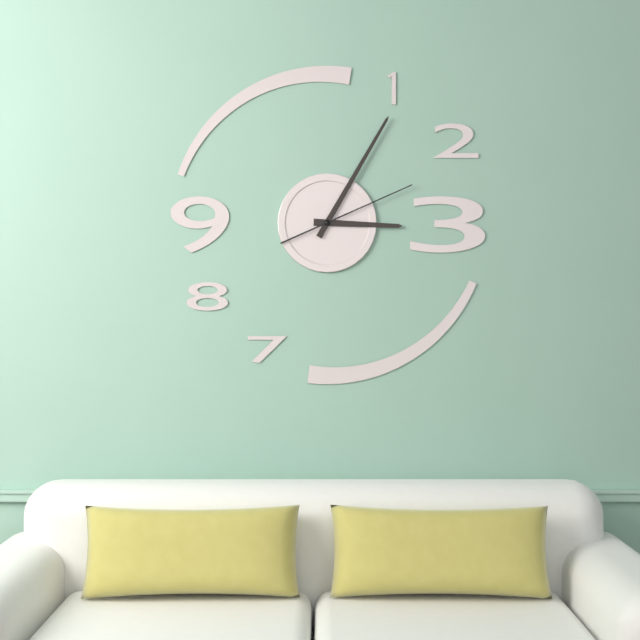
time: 3:05:11
